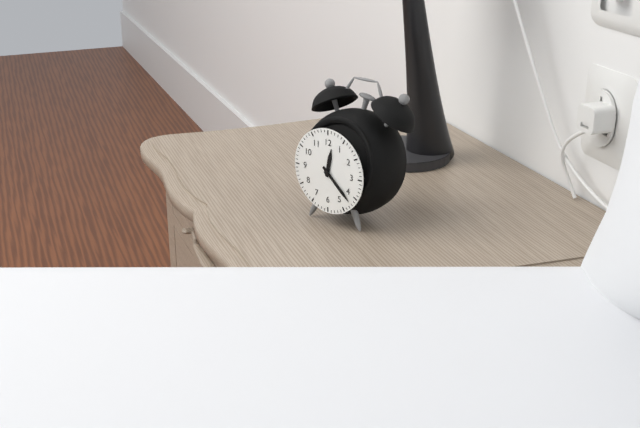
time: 12:22
